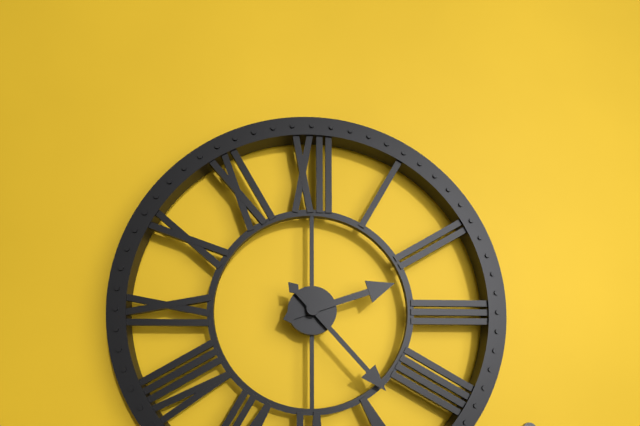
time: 2:23
